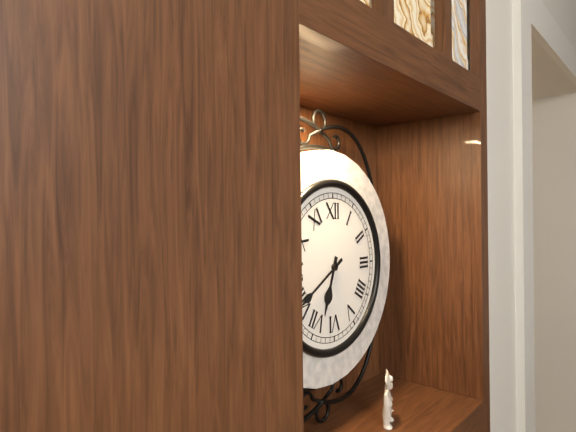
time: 6:40
